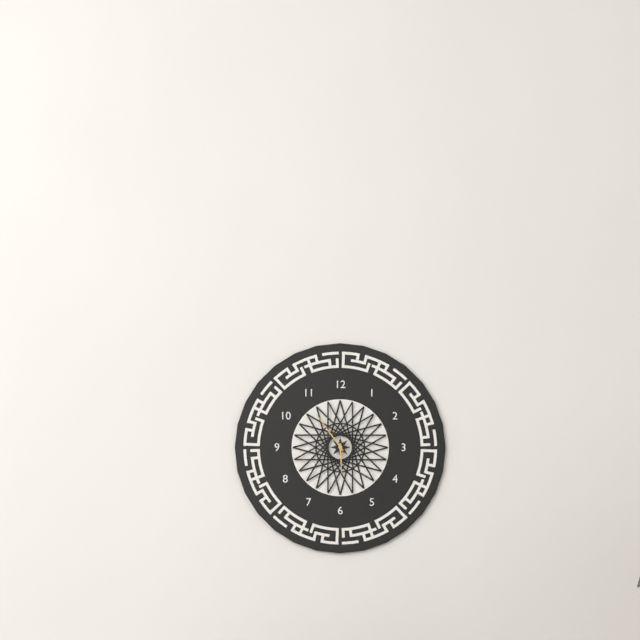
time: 5:54
